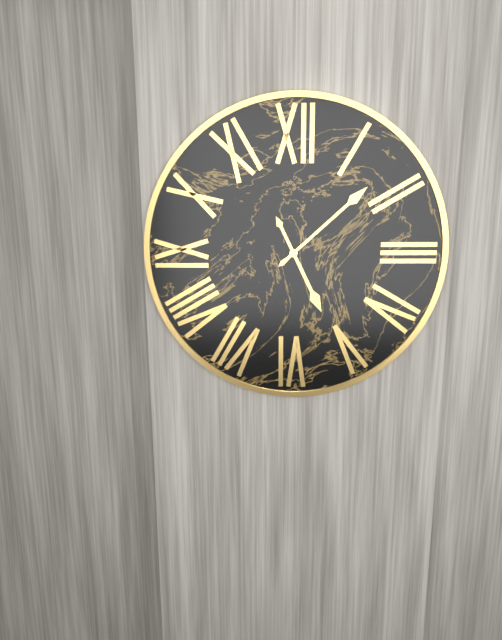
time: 5:08
